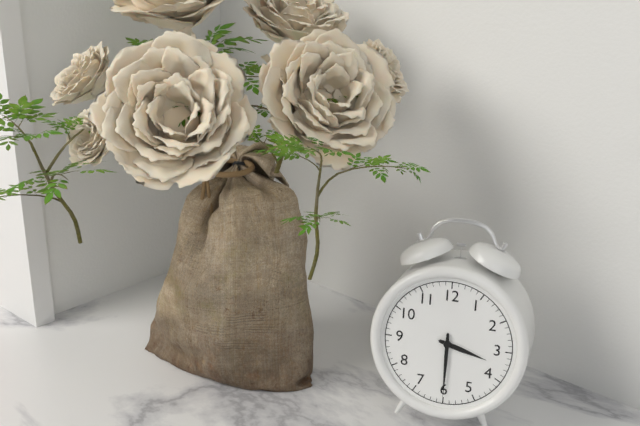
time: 3:30
